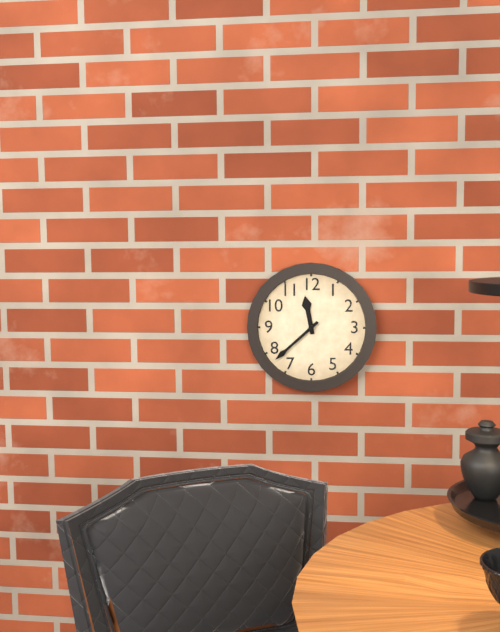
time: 11:38
